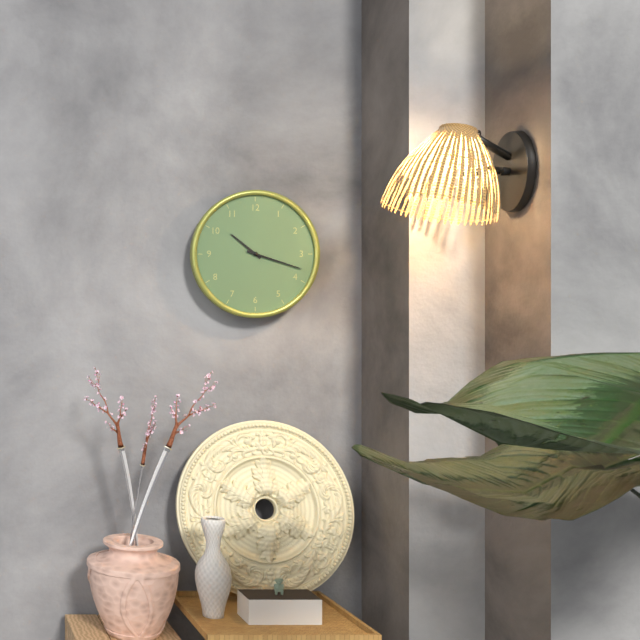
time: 10:18
